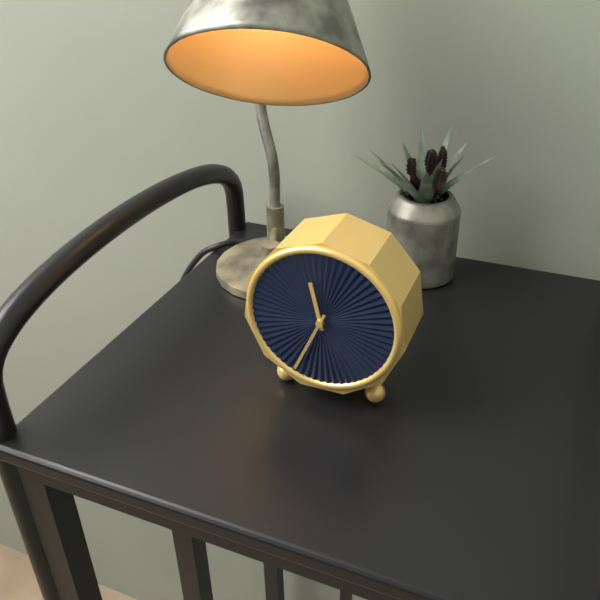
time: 11:34
